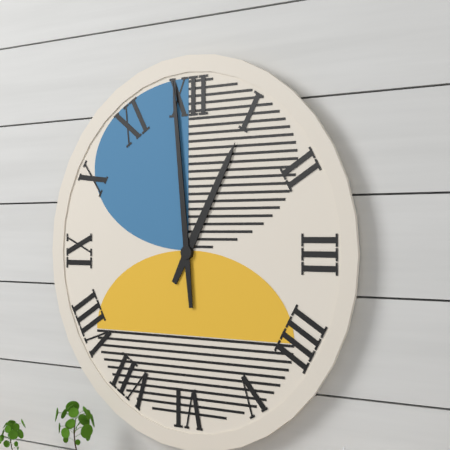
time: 12:59
